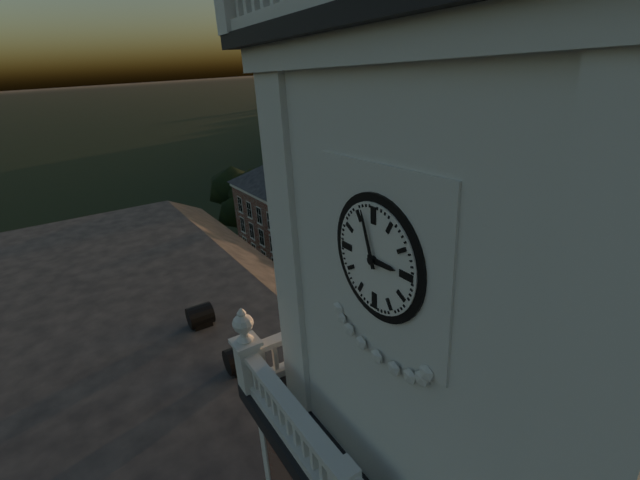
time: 2:57
